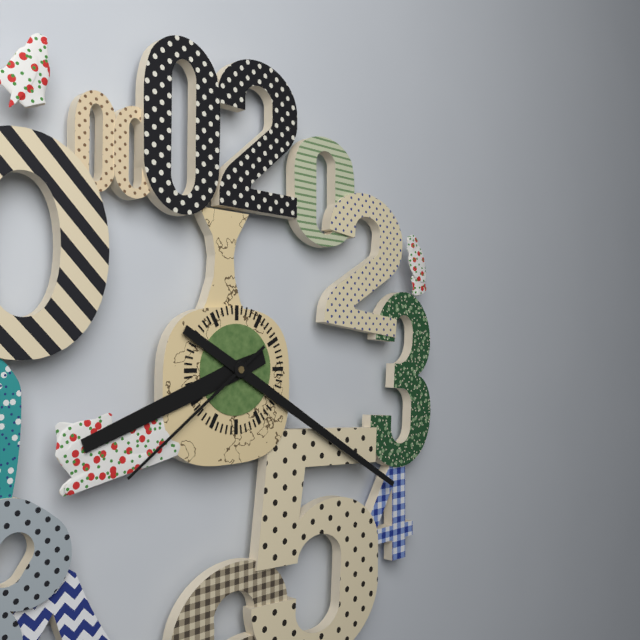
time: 8:20:39
